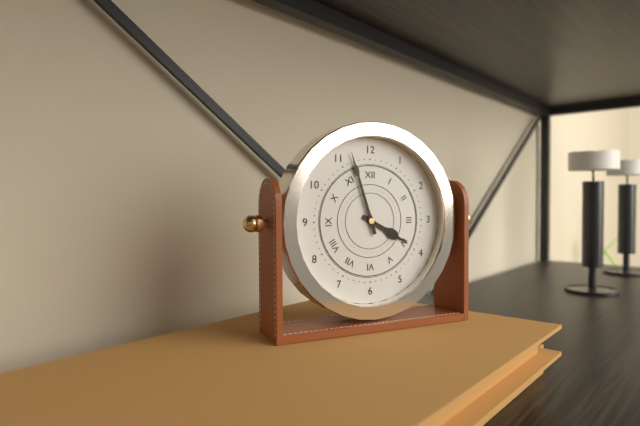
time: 3:57
